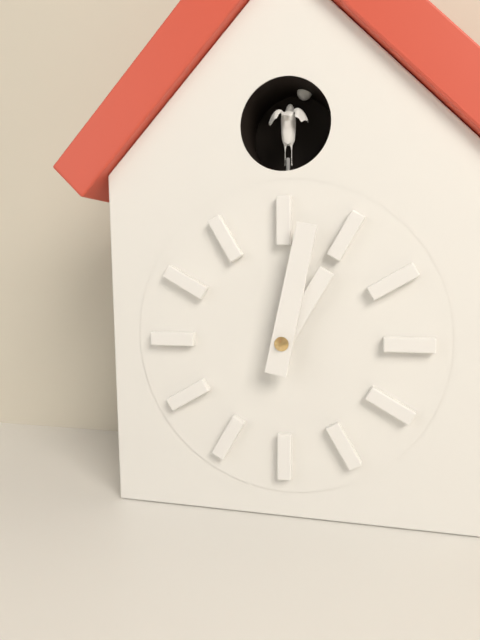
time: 1:02
